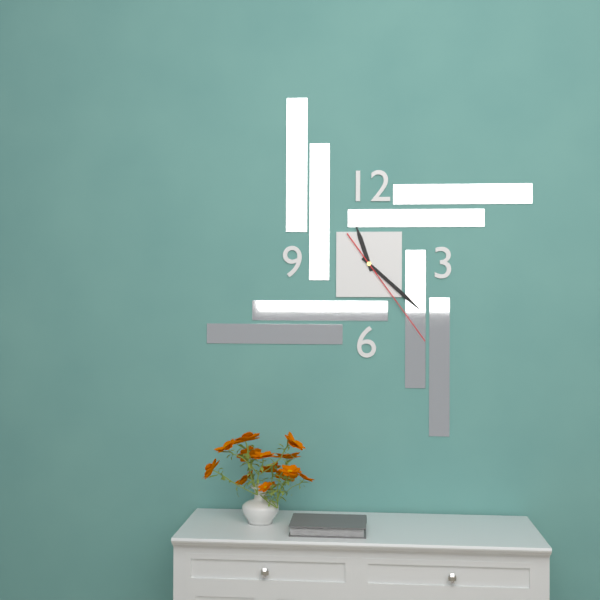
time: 11:22:24
